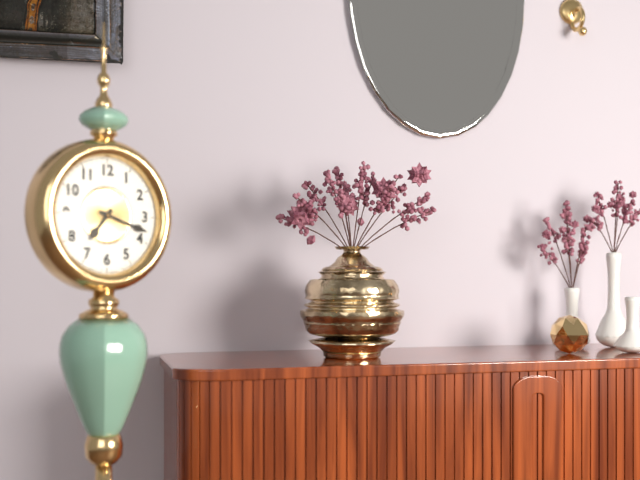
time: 7:18
